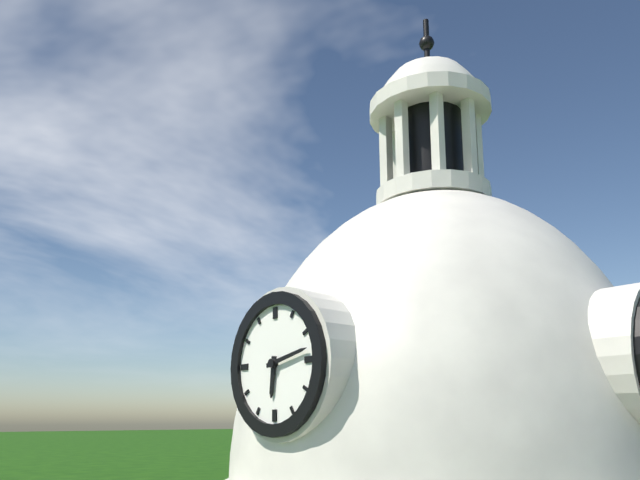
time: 6:13
